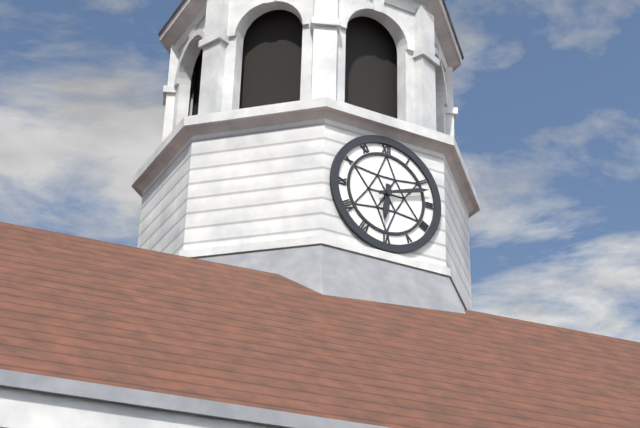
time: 6:12
